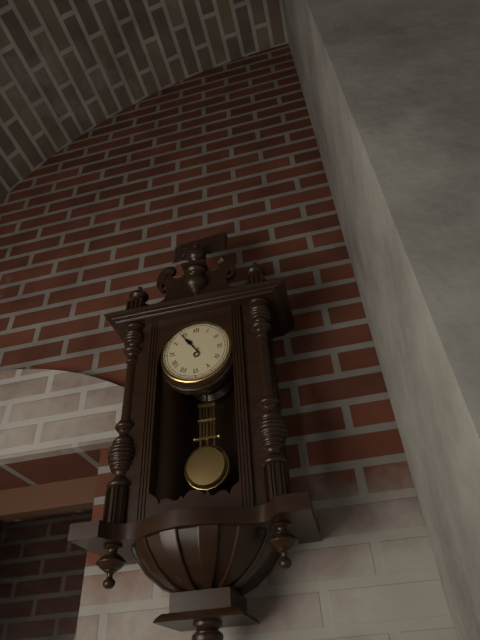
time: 10:54
